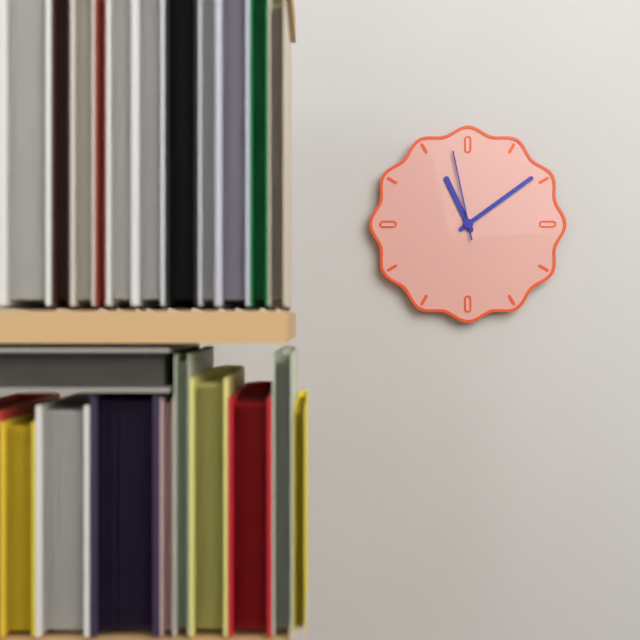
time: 11:09:58
